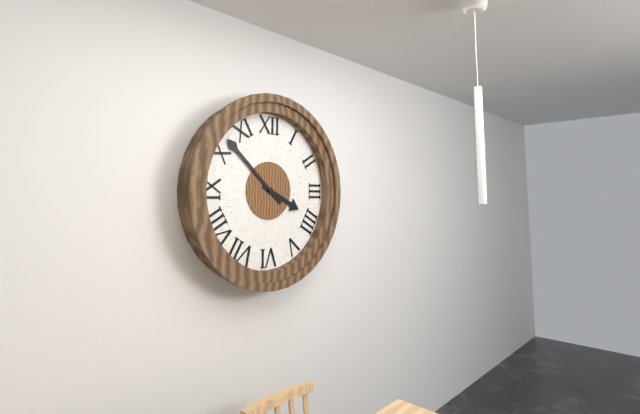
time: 3:52
